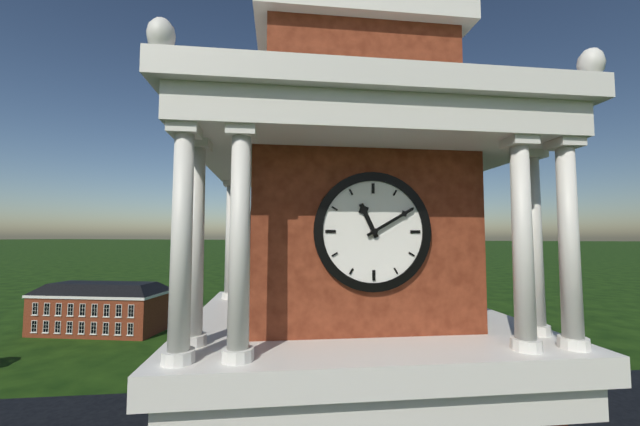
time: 11:10
